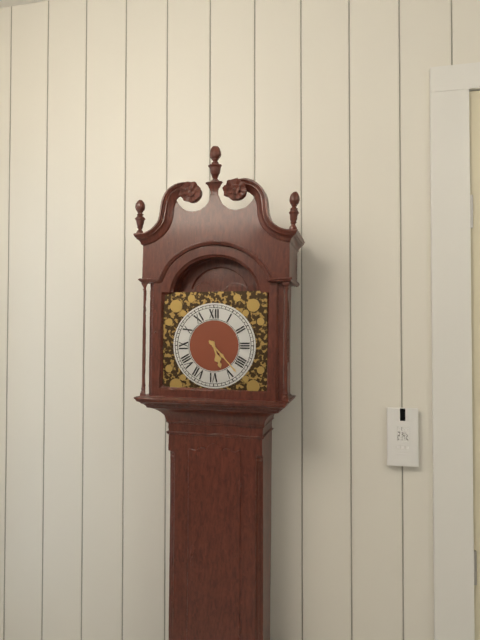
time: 5:23
